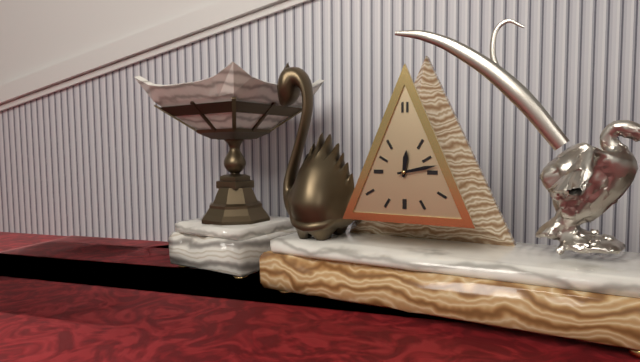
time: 12:13
